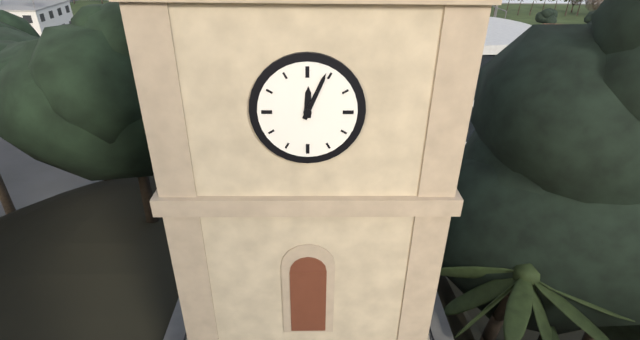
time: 12:04
